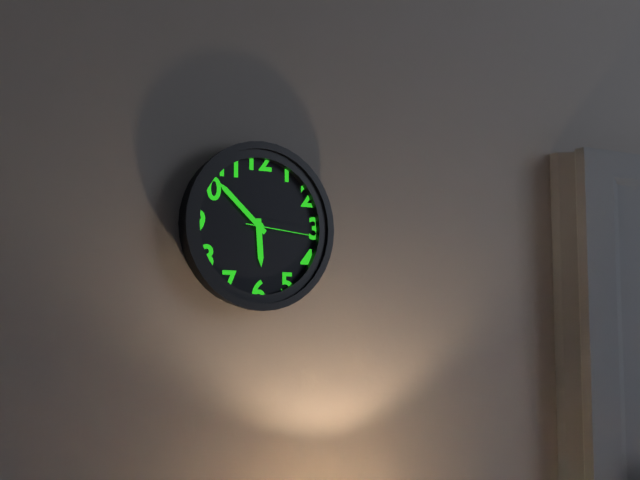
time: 5:52:16
